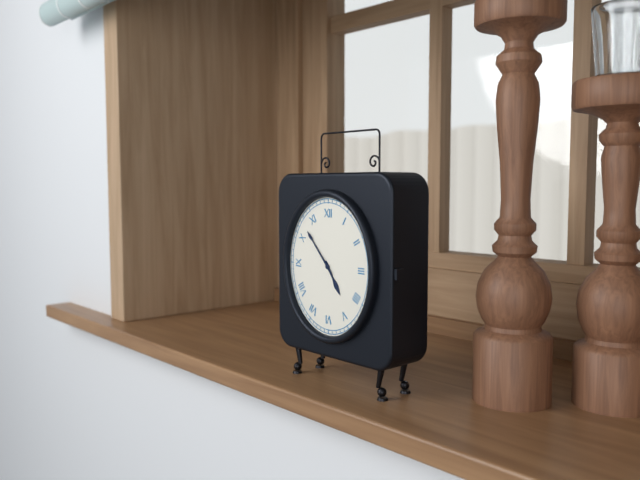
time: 4:53
